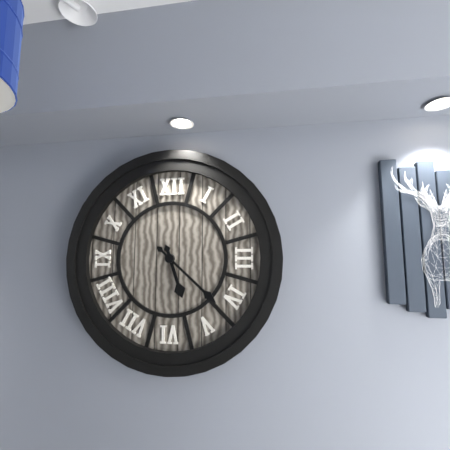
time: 5:22
